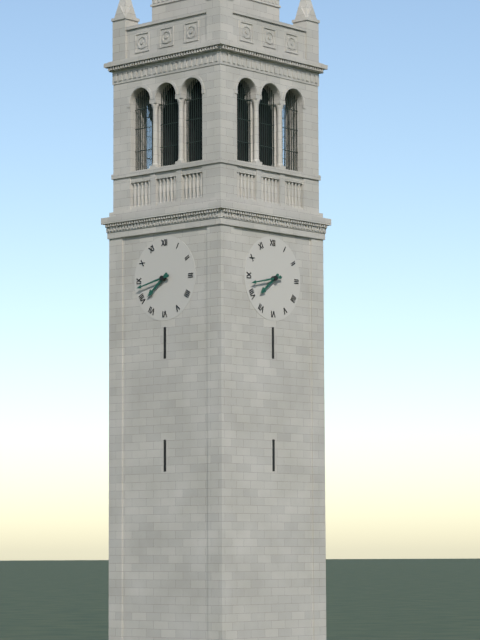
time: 7:43
